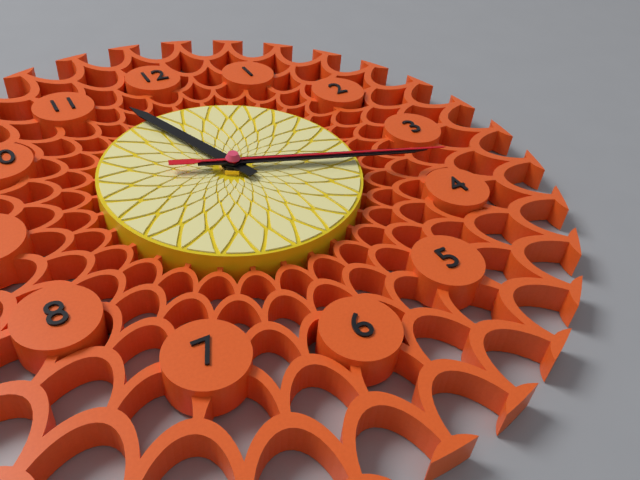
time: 11:18:18
